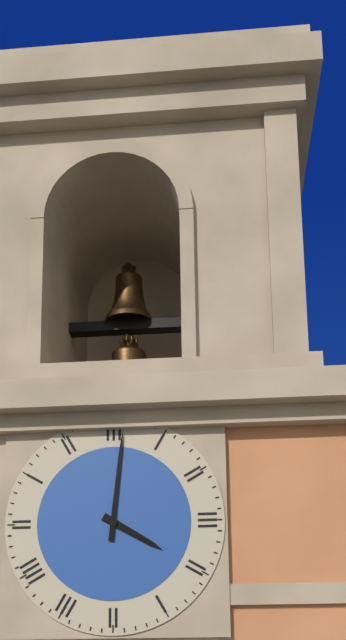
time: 4:01
